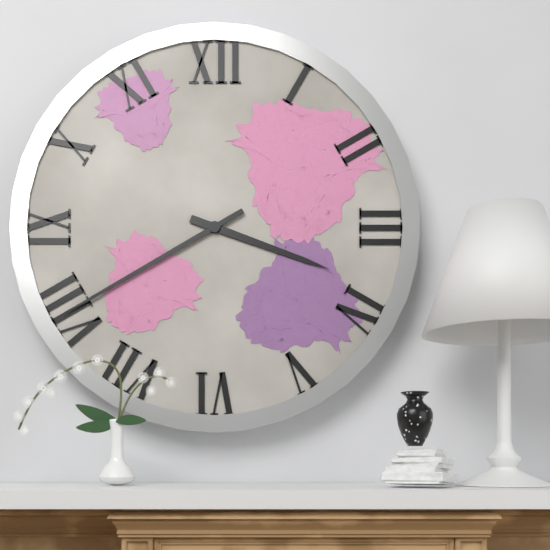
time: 3:40
